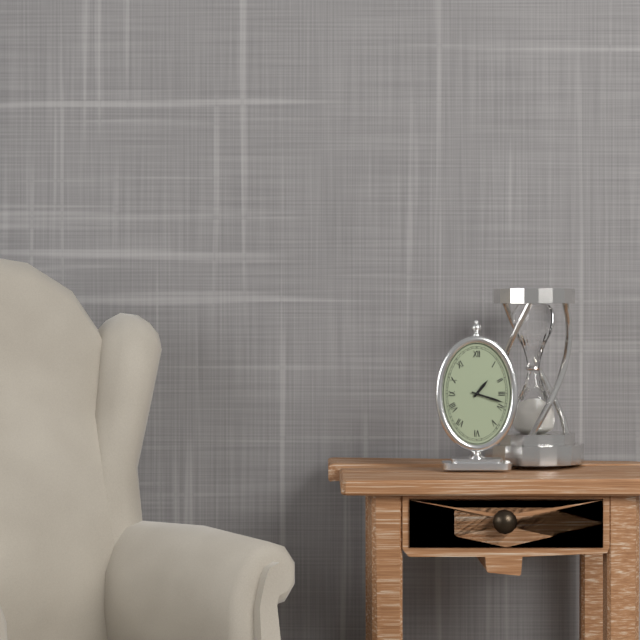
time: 1:18
